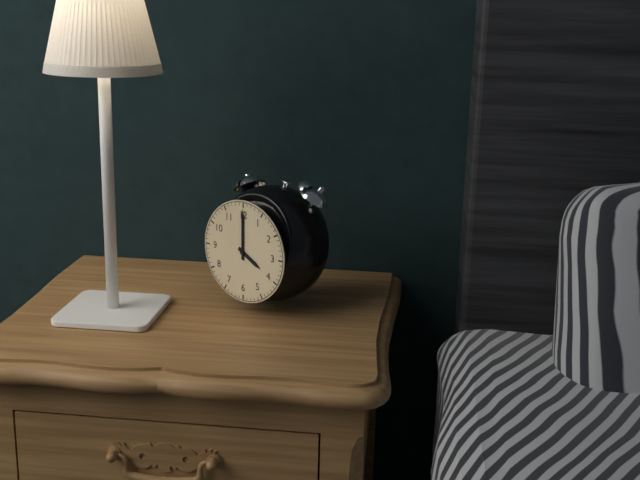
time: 4:00
